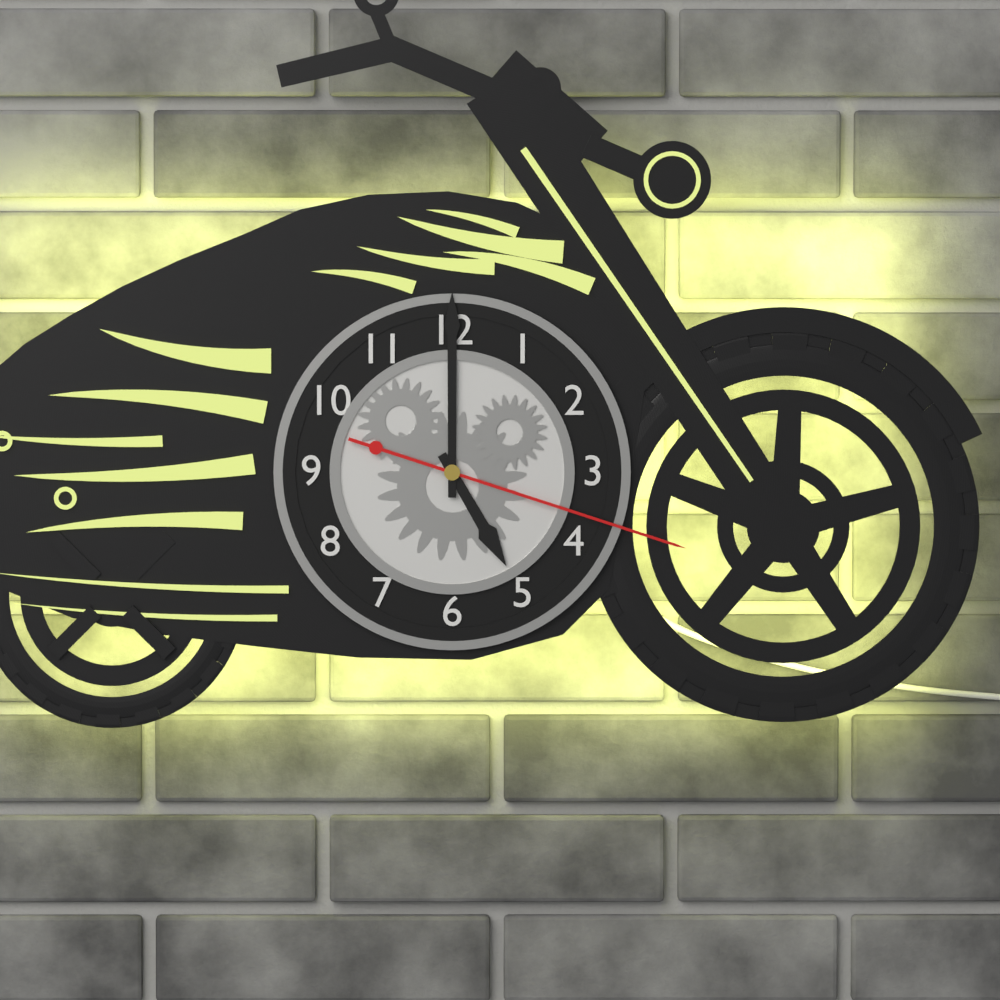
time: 5:00:18
